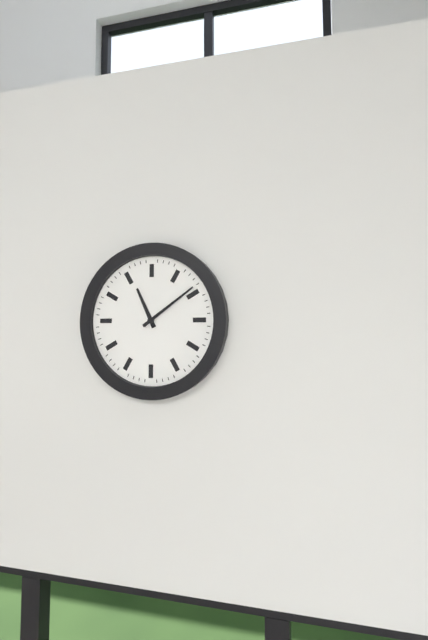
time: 11:09
